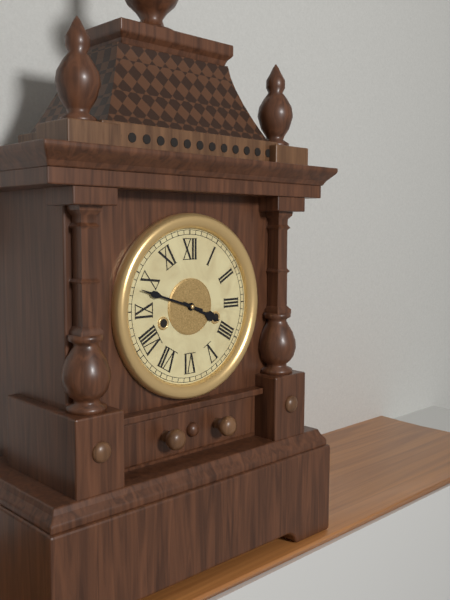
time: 3:48
